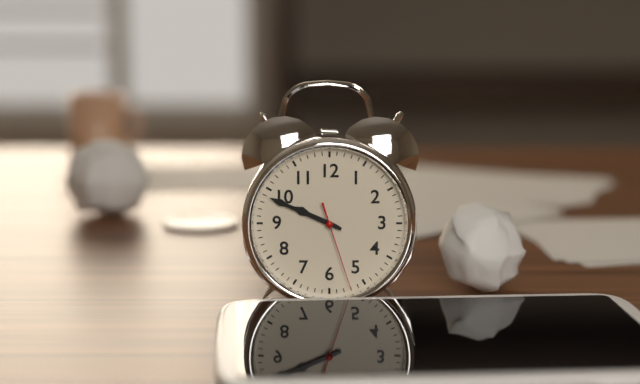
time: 9:49:27
